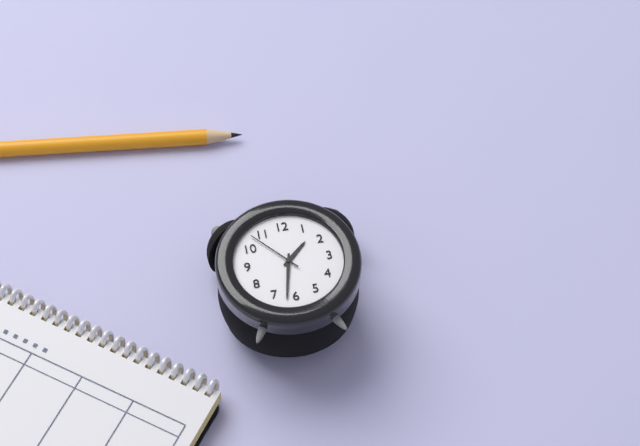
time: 1:32:53
